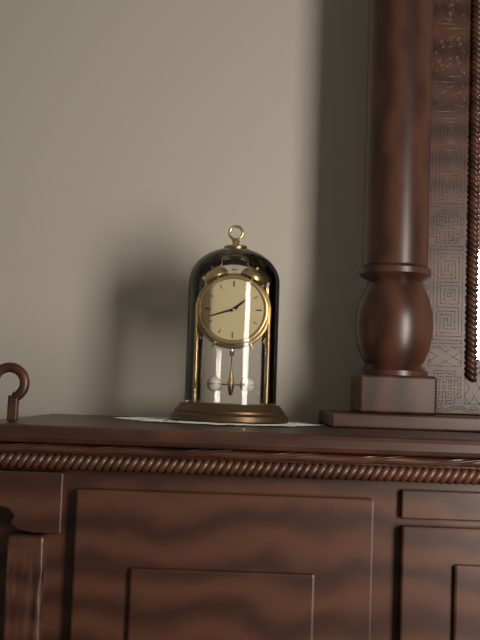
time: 1:42
